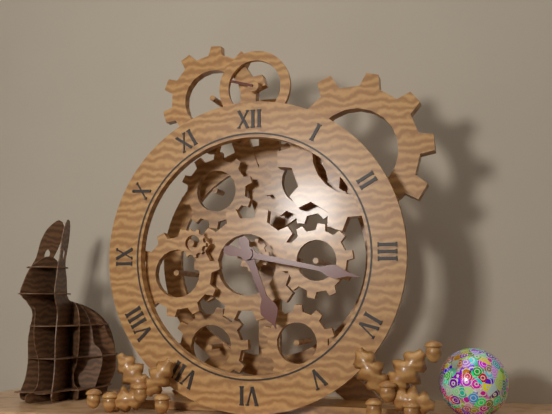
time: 5:17
